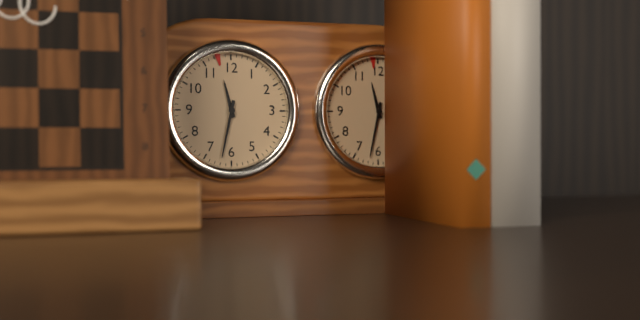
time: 11:32
